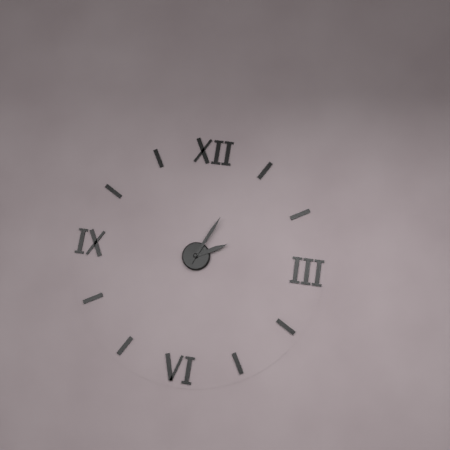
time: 2:04
